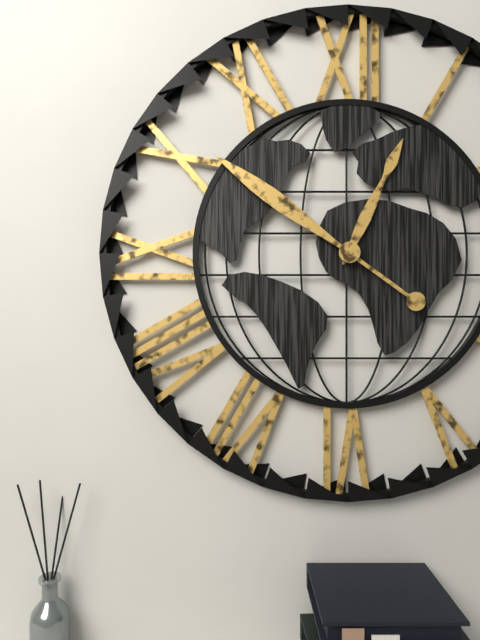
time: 12:51
